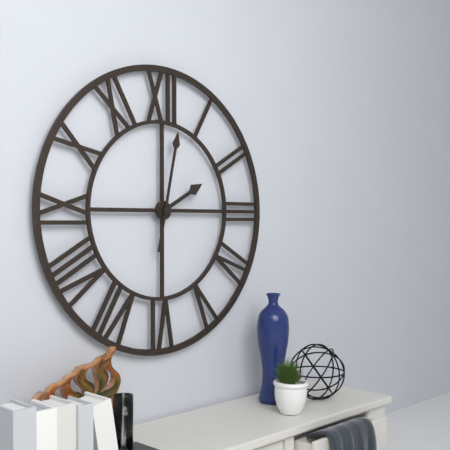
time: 2:02
